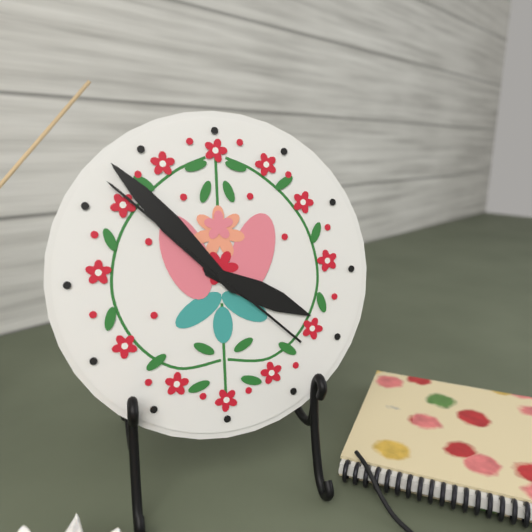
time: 3:53:52
